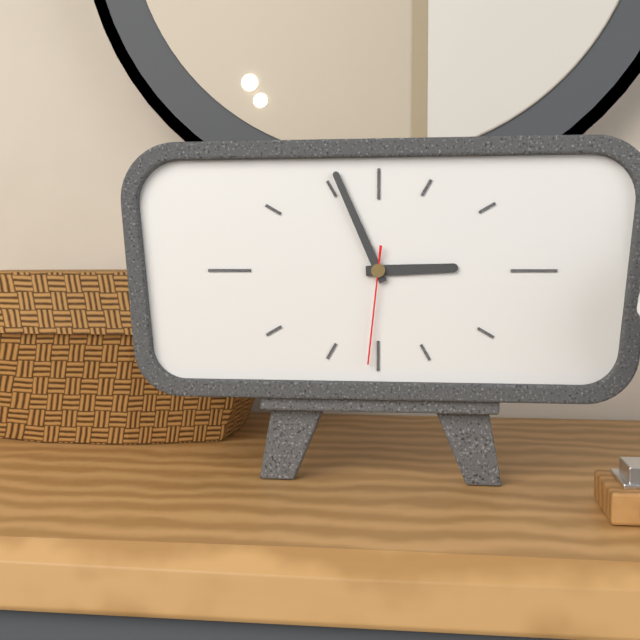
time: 2:56:31
